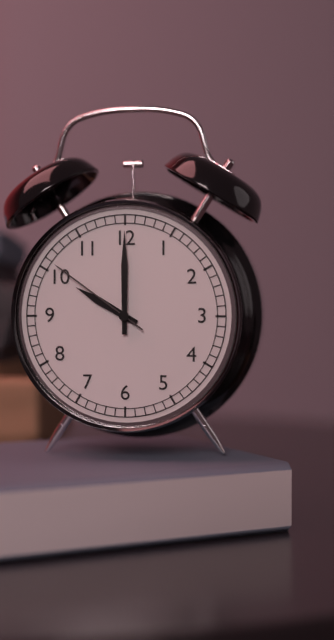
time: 10:00:51
